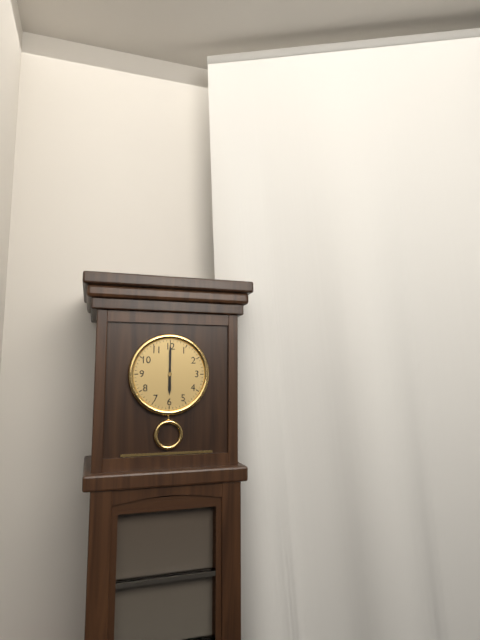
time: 6:00
